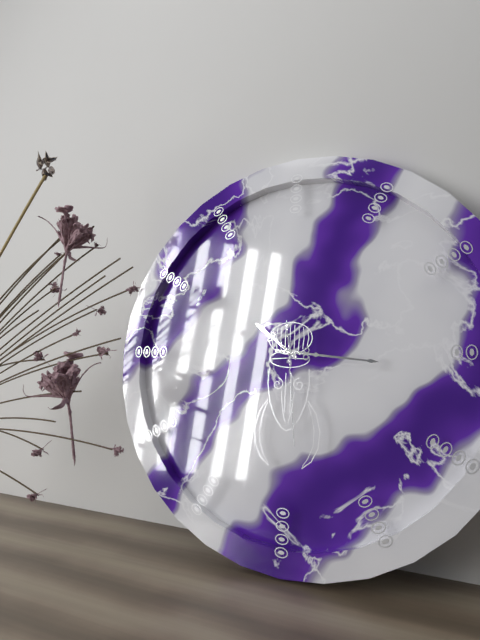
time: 10:16:29
